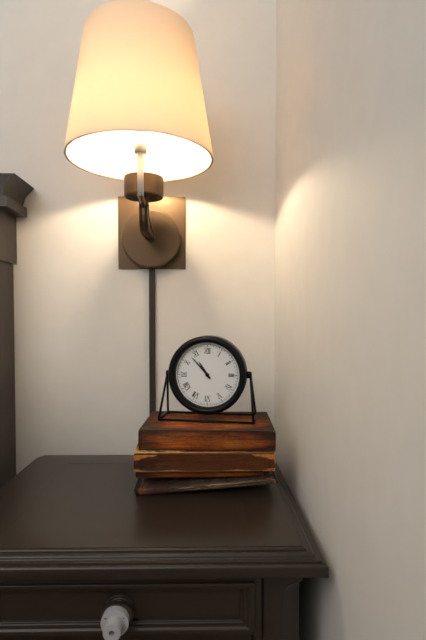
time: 10:53
